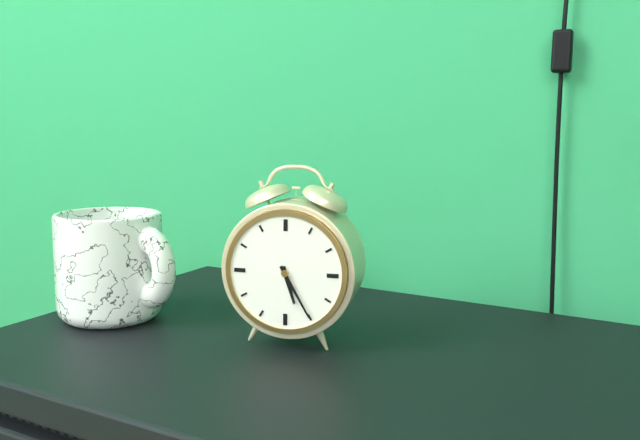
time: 5:25
